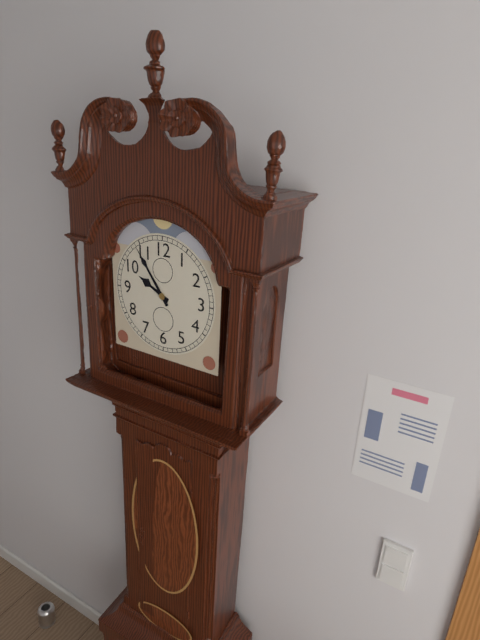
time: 9:54
